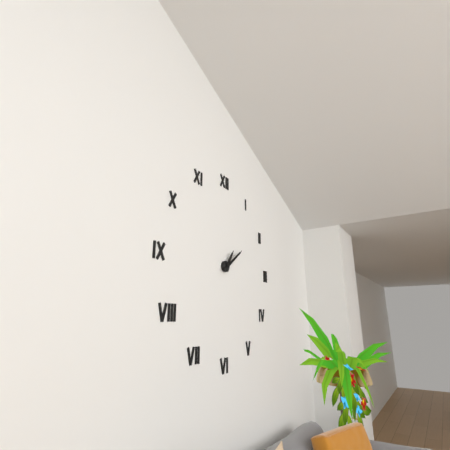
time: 1:09
